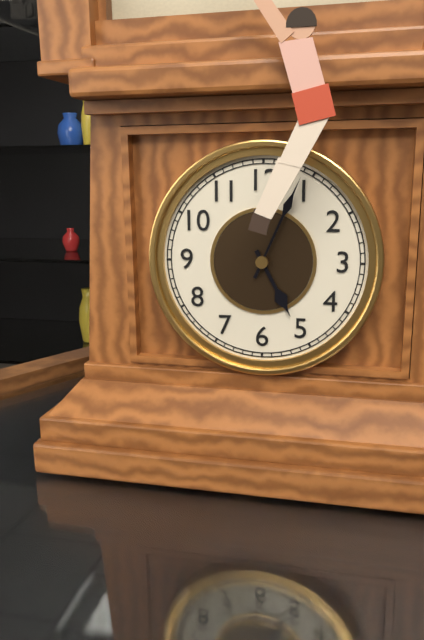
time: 5:04
